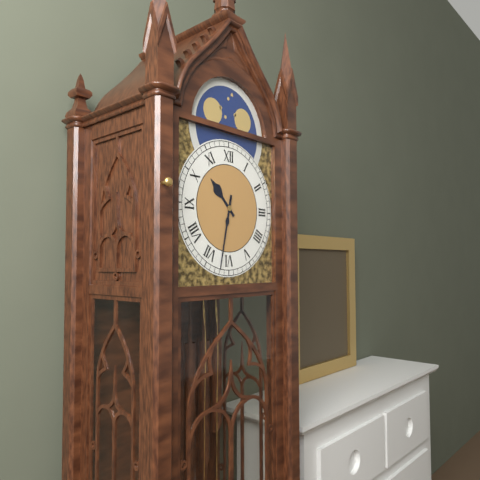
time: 10:32
